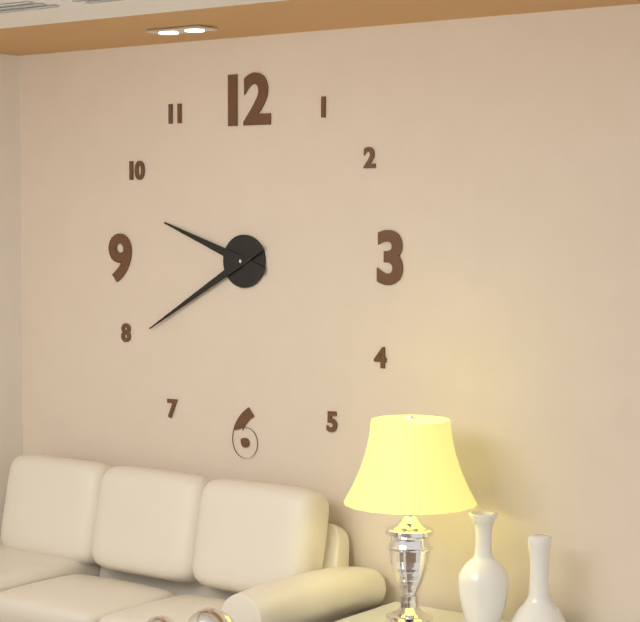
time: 9:40
